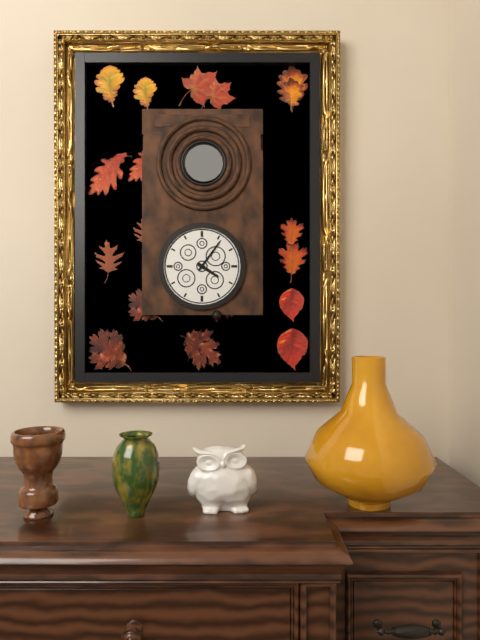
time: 4:06
